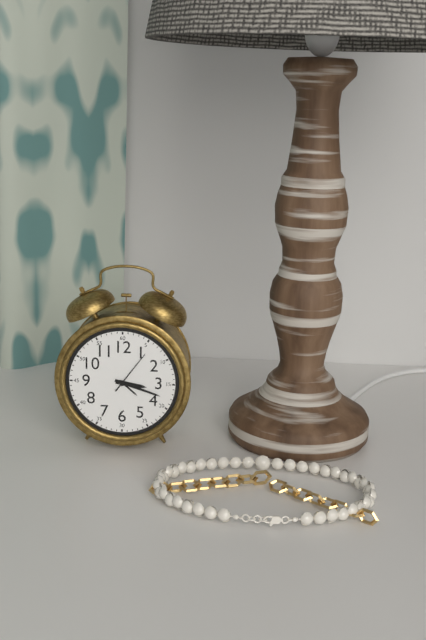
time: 3:18
